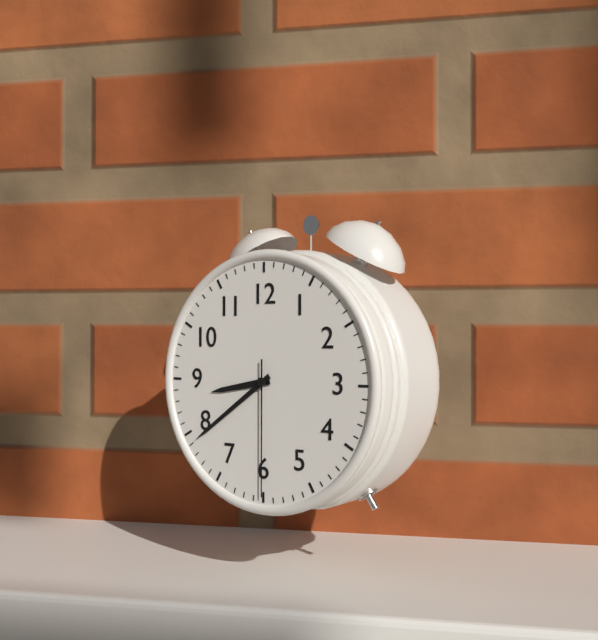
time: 8:39:30
